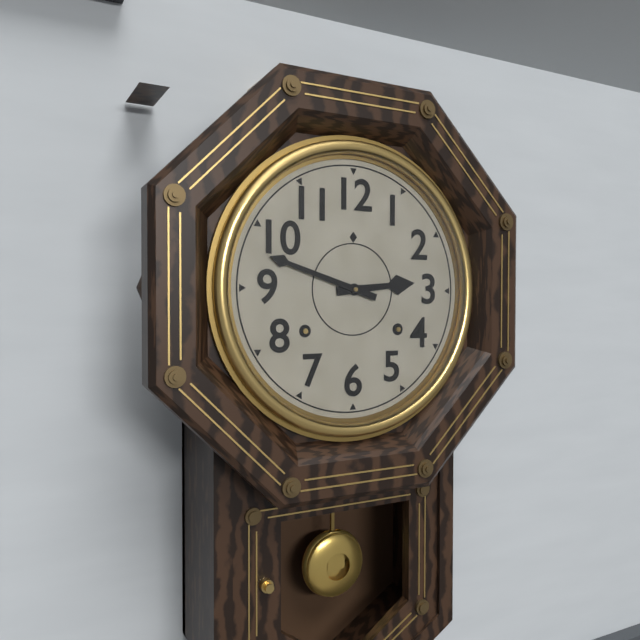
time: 2:48
